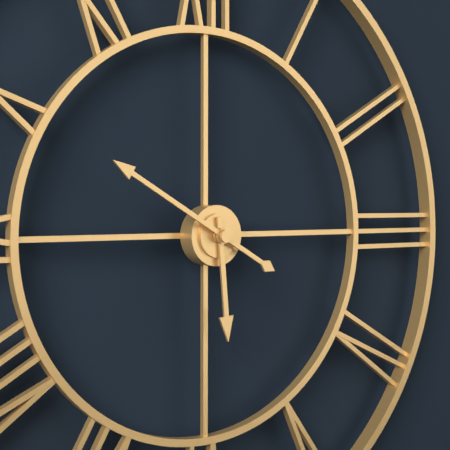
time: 5:50
